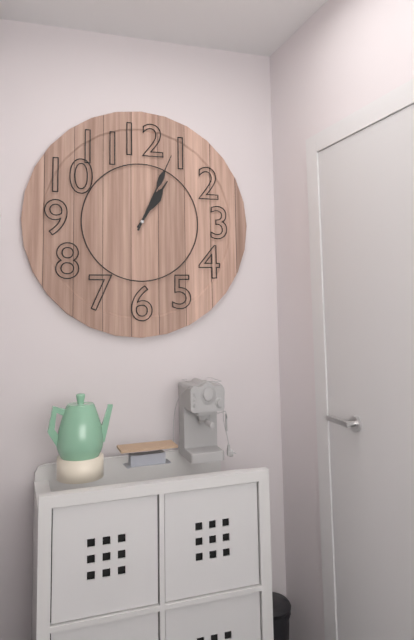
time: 1:04
